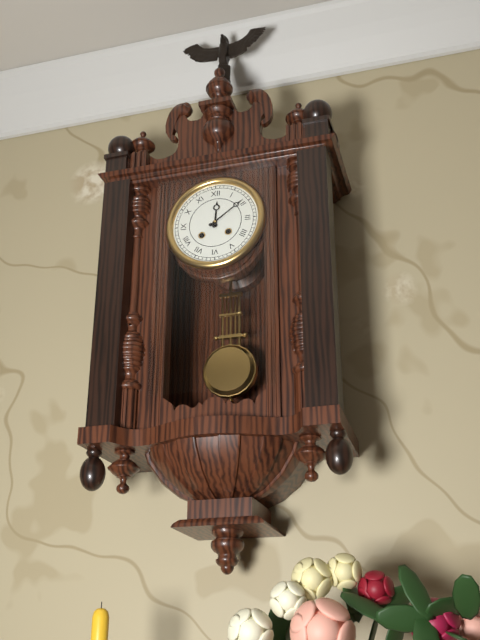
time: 12:09
